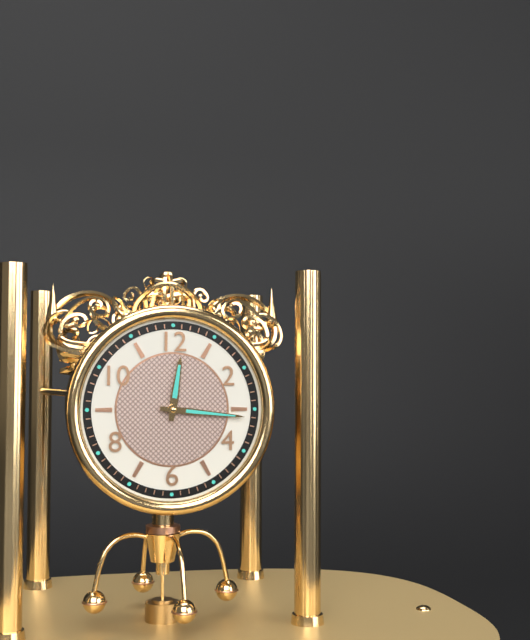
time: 12:16
